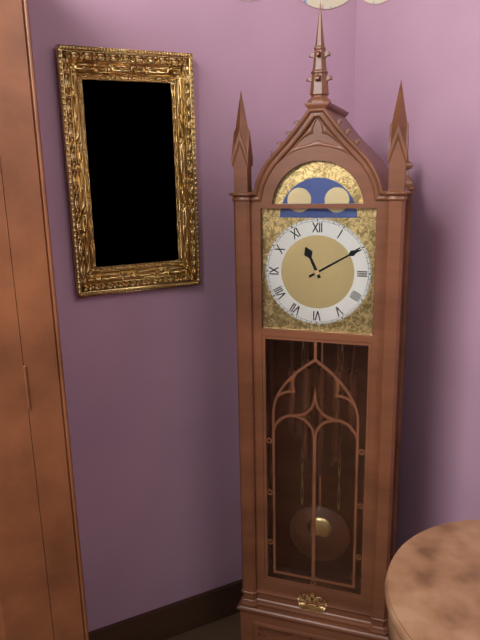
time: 11:10
